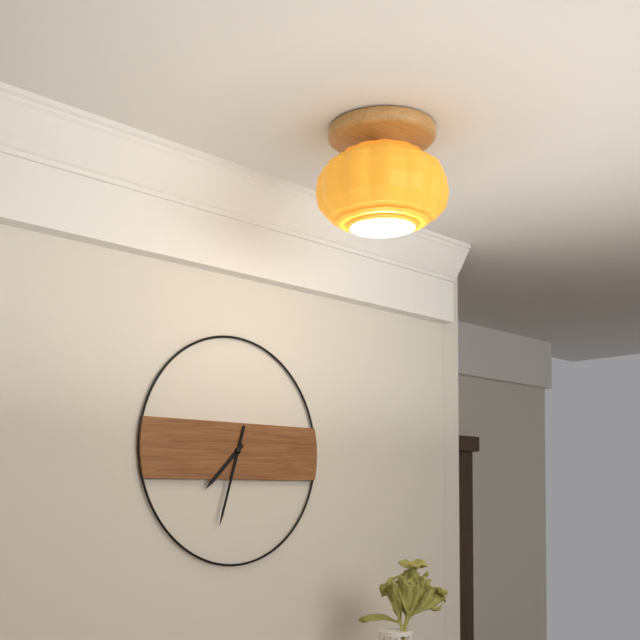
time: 7:33
